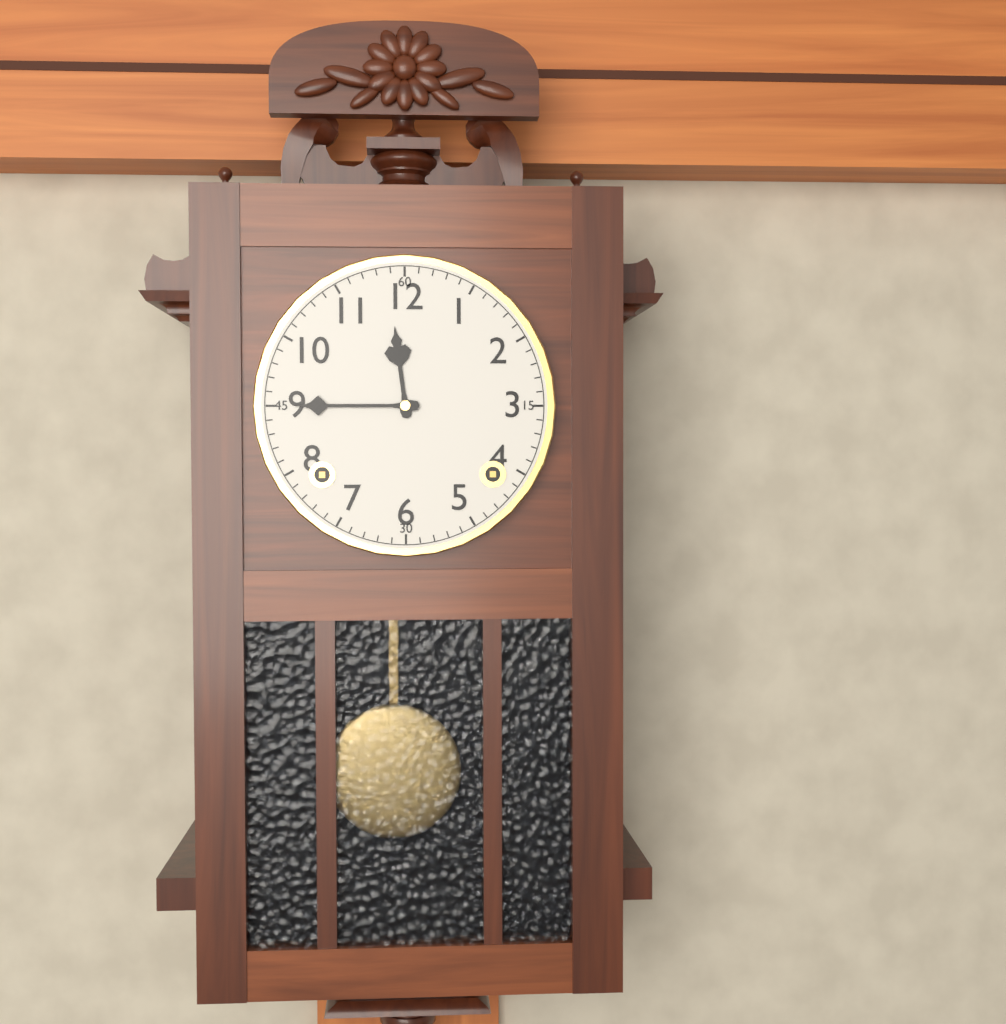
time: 11:45
